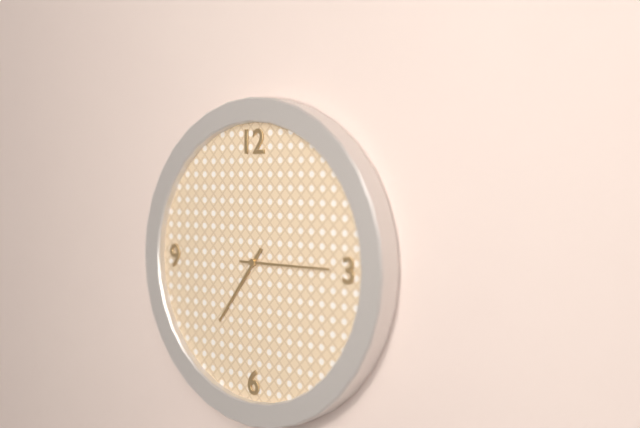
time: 7:15
